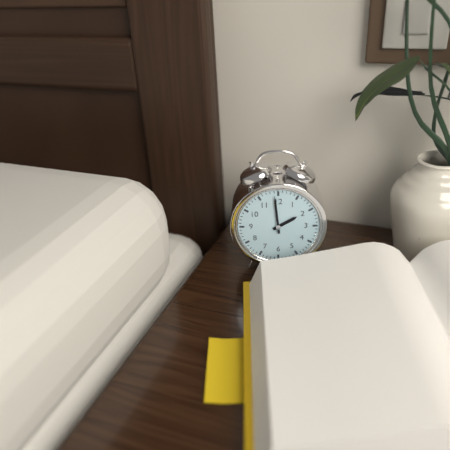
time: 1:59
